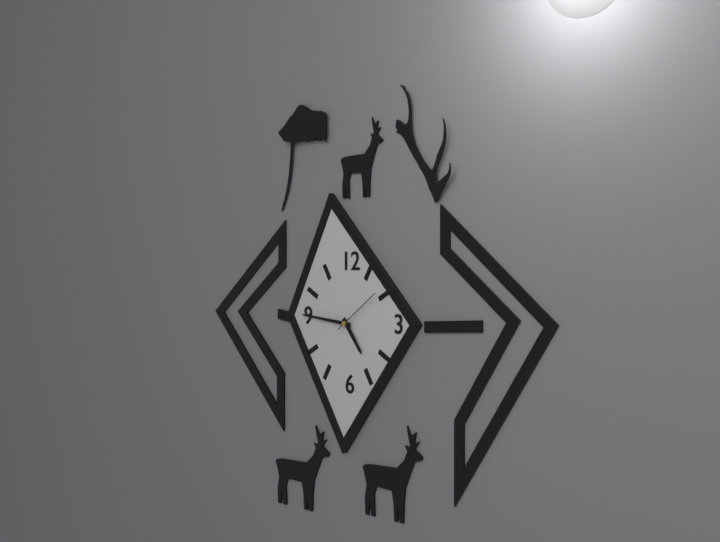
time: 4:46
